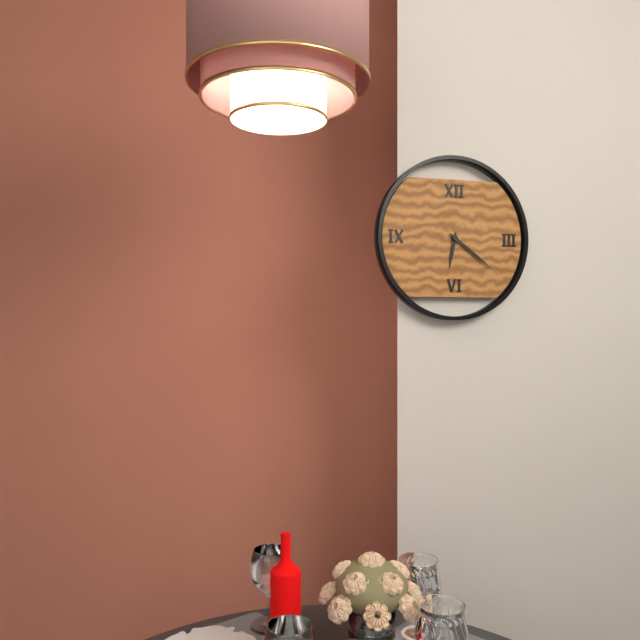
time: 6:21
